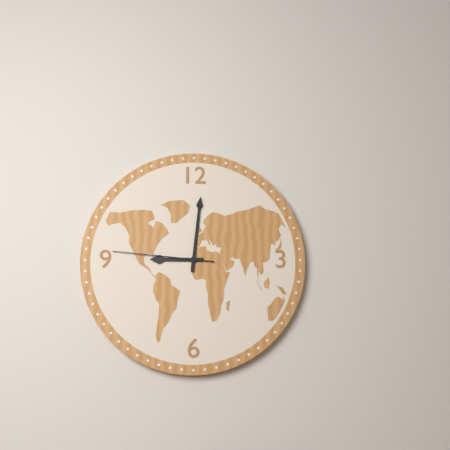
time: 9:01:46
